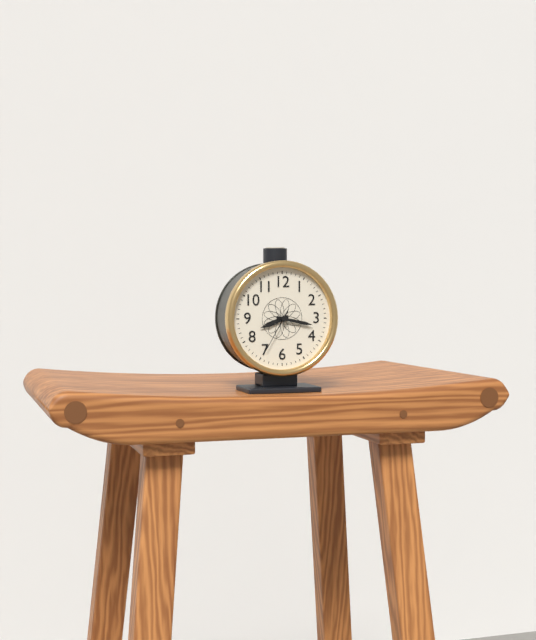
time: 8:17
